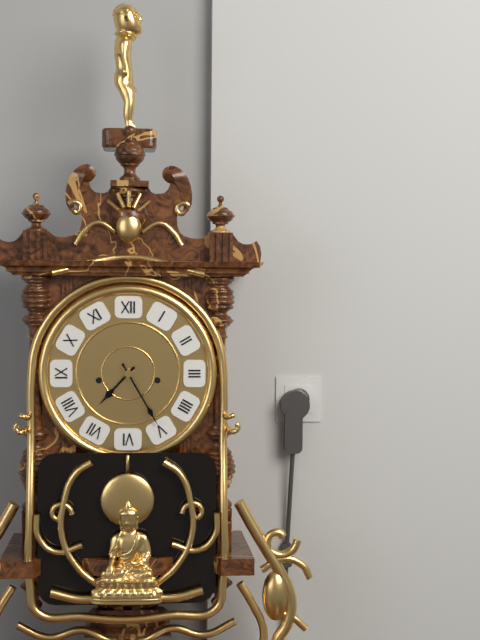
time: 7:25
